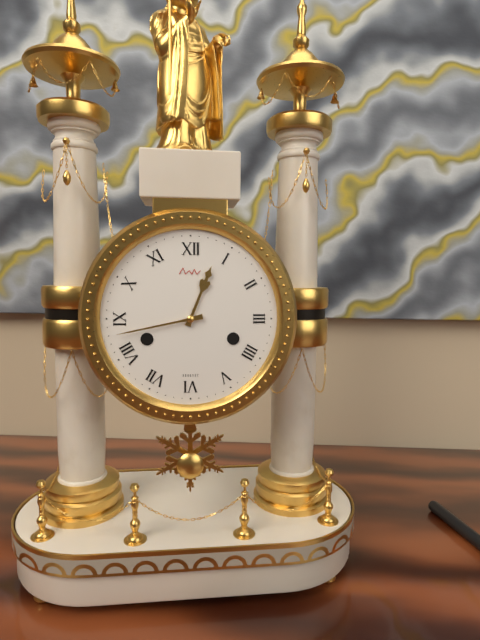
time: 12:43
